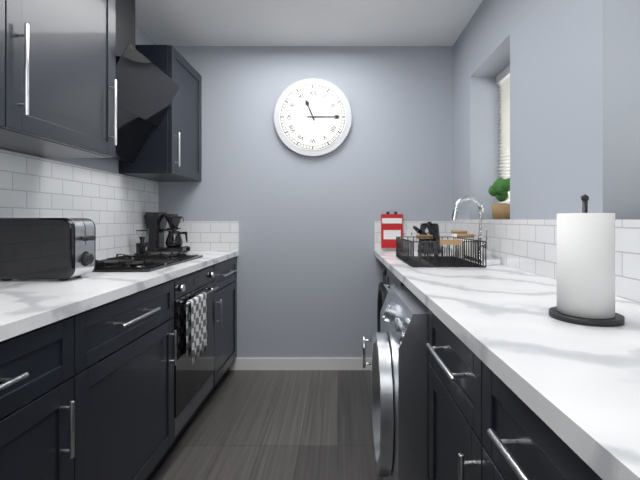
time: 11:15
